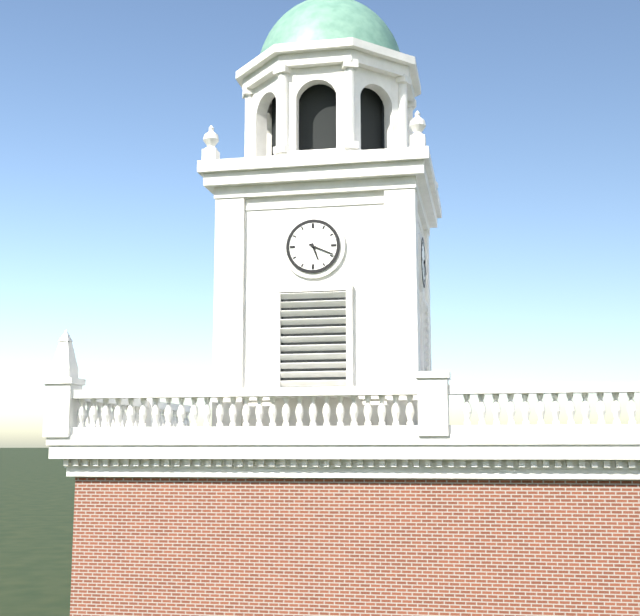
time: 5:19
